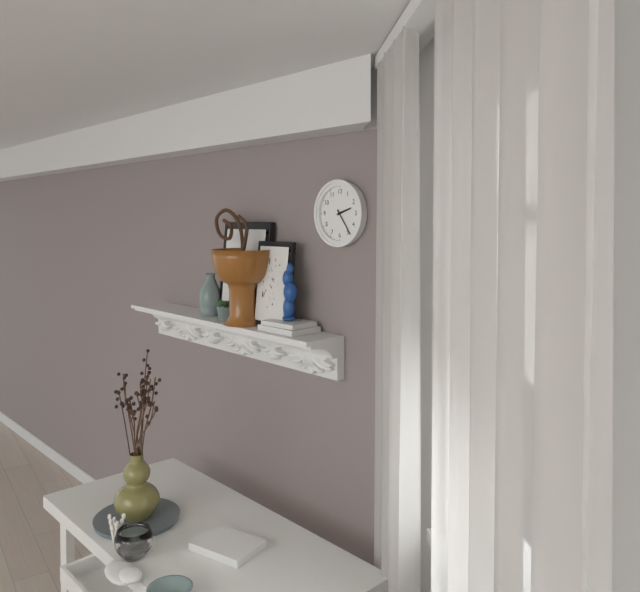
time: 2:24
